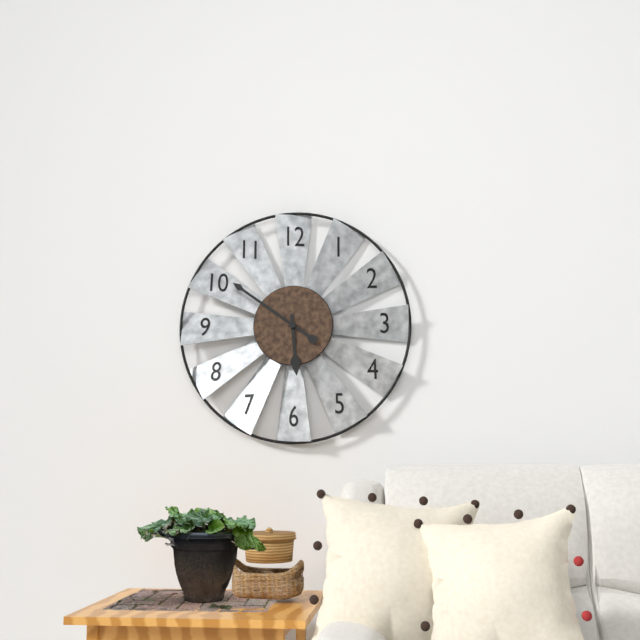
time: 5:51
